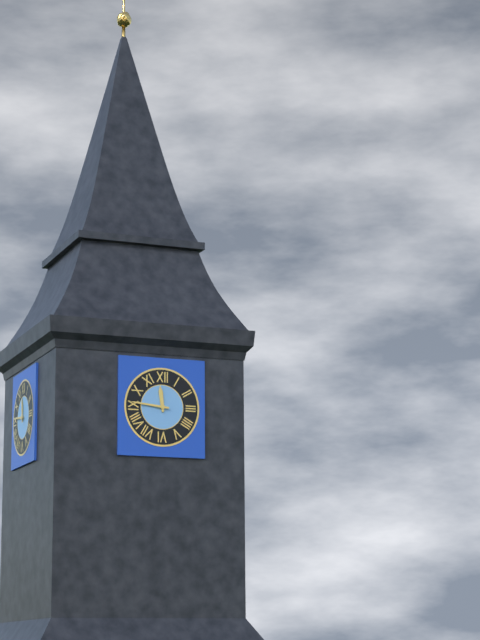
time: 11:46
